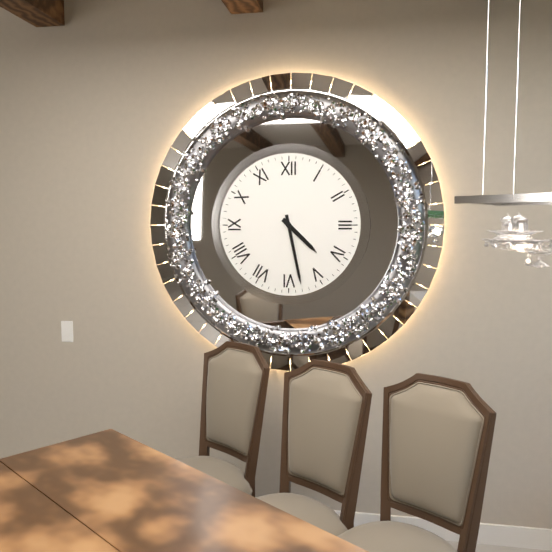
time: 4:28
